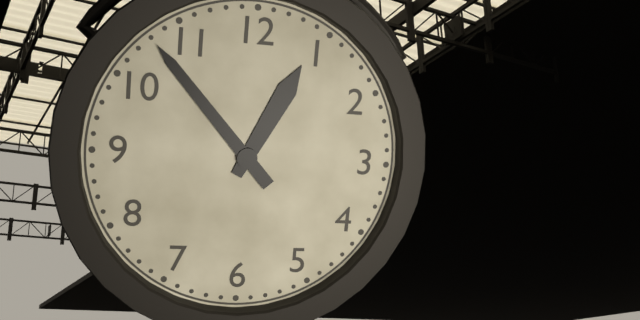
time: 12:53
